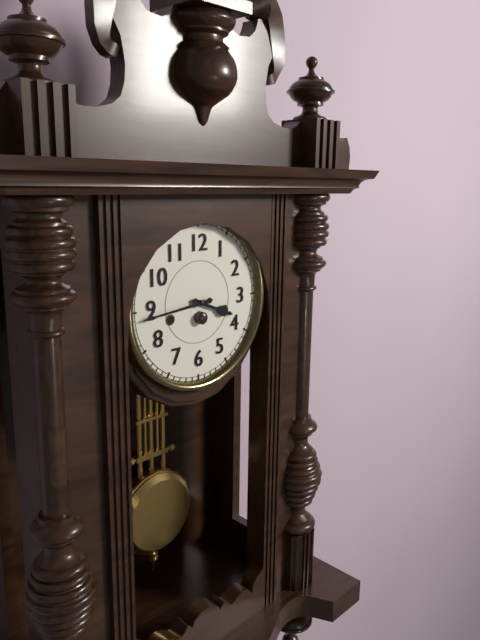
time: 3:44
